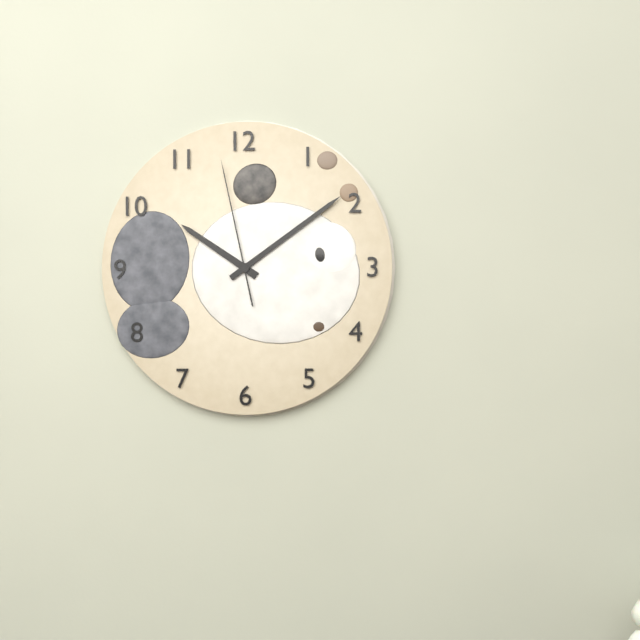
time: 10:09:58
